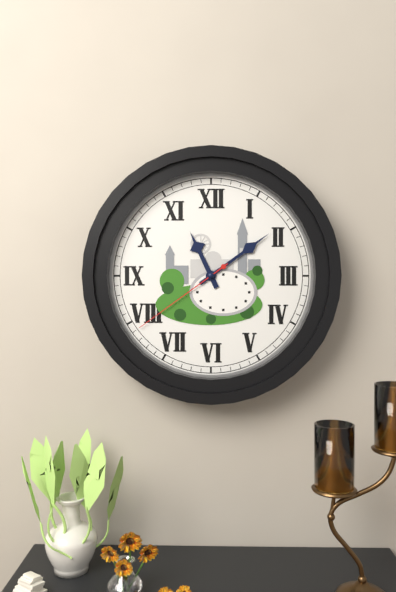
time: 11:09:39
